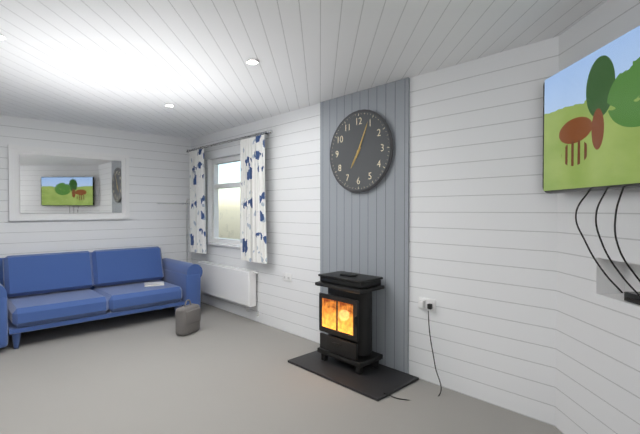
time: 7:04
